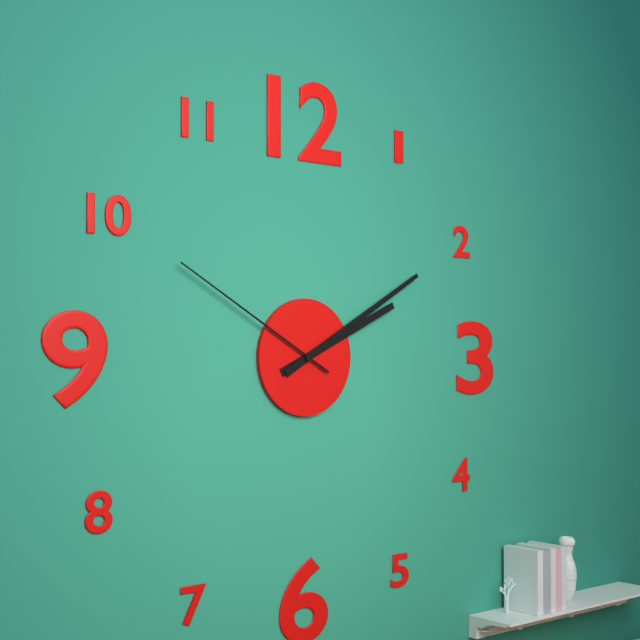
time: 2:10:50
